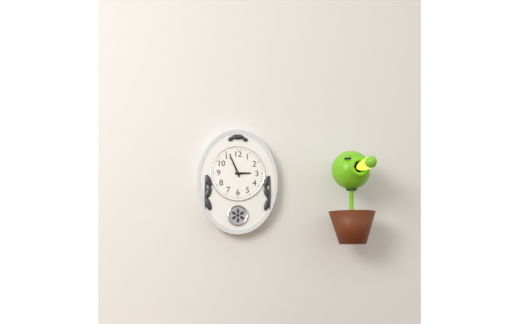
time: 2:56
